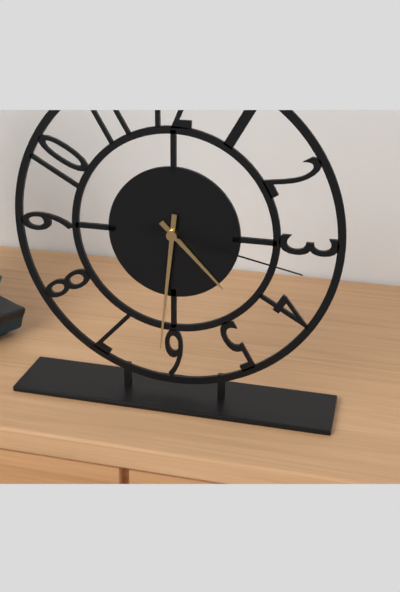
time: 4:31:17
